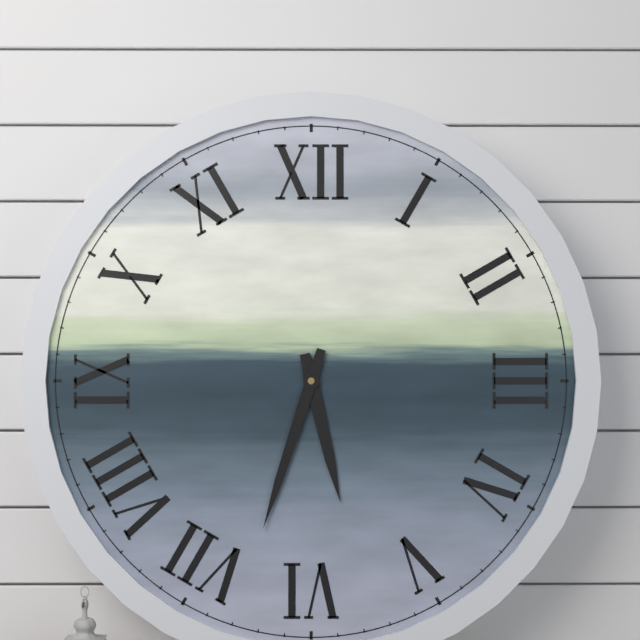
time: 5:33
